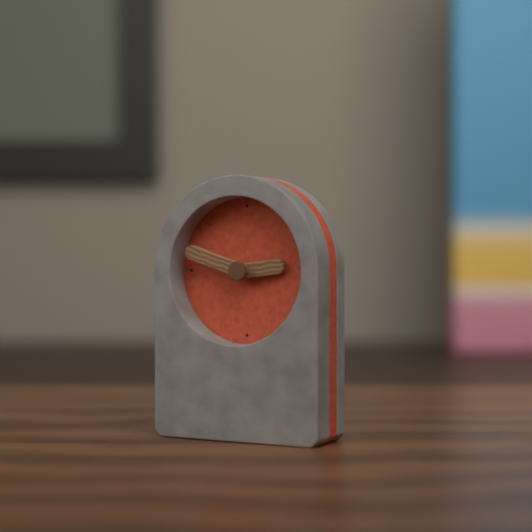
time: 2:48
